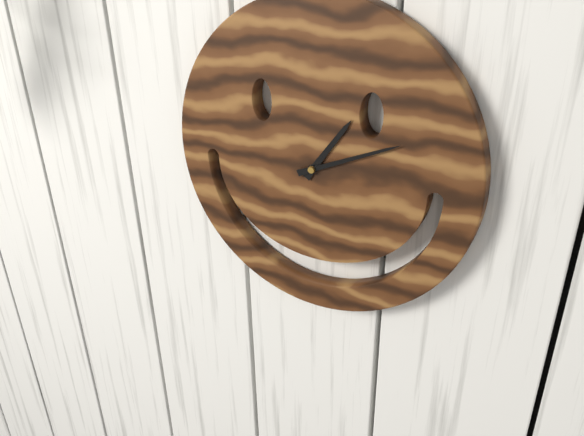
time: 1:11
